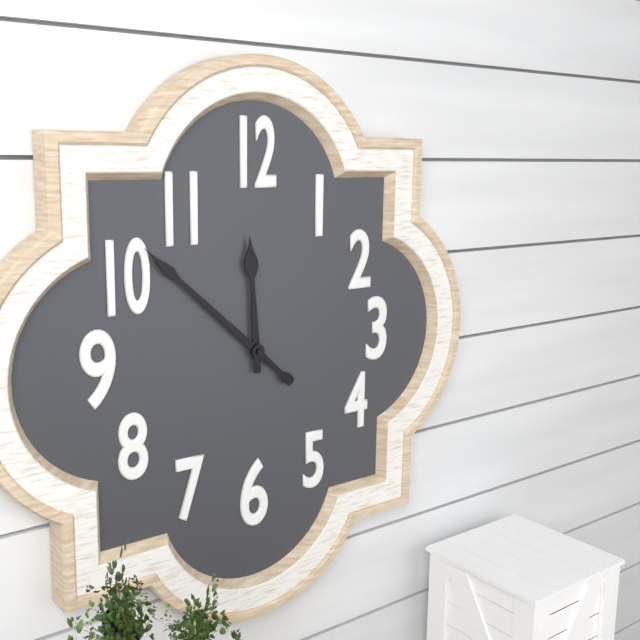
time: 11:52
